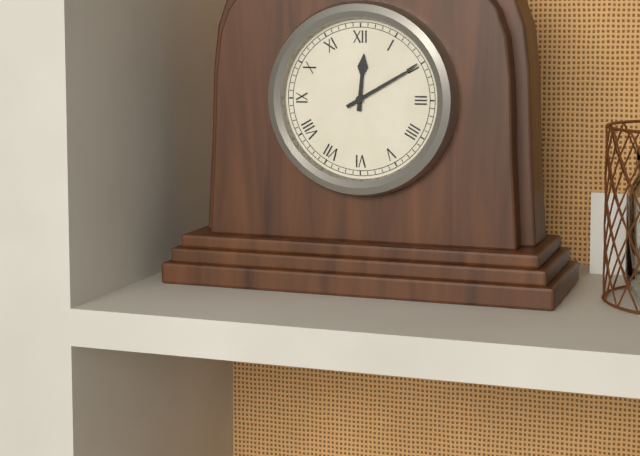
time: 12:10
